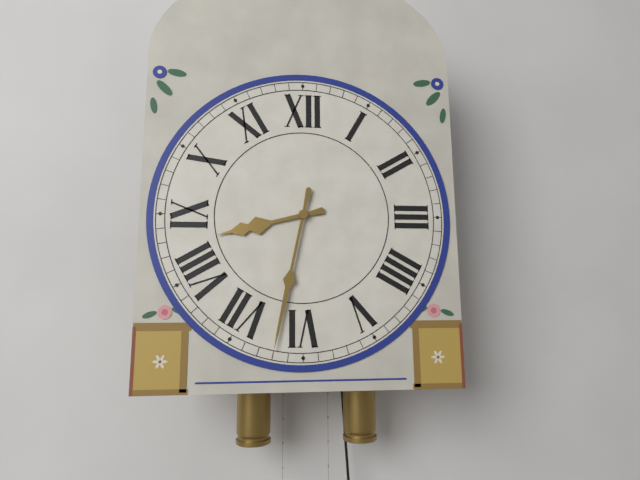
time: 8:32
